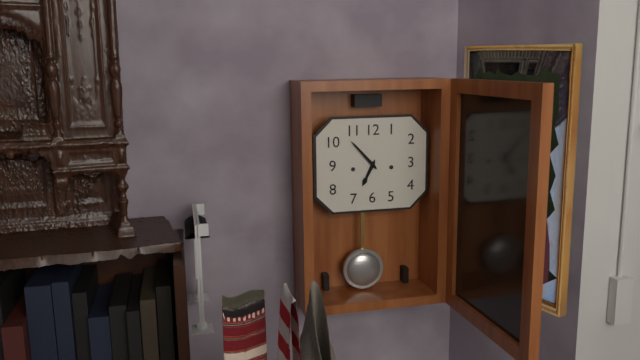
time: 6:53
